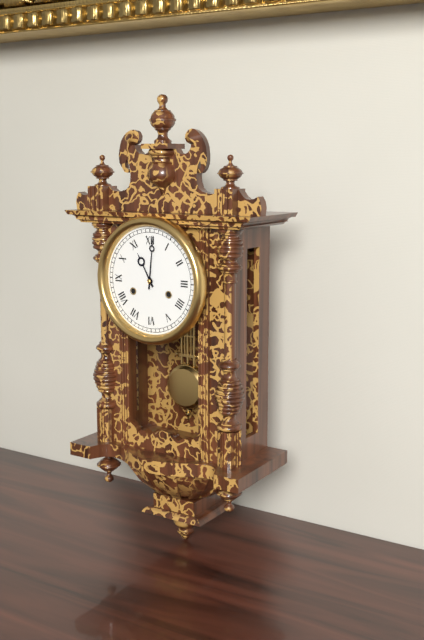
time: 11:01
